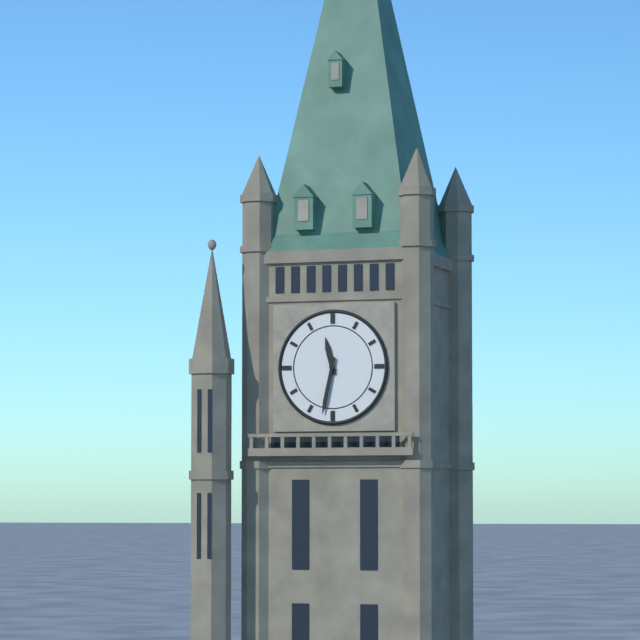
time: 11:32
